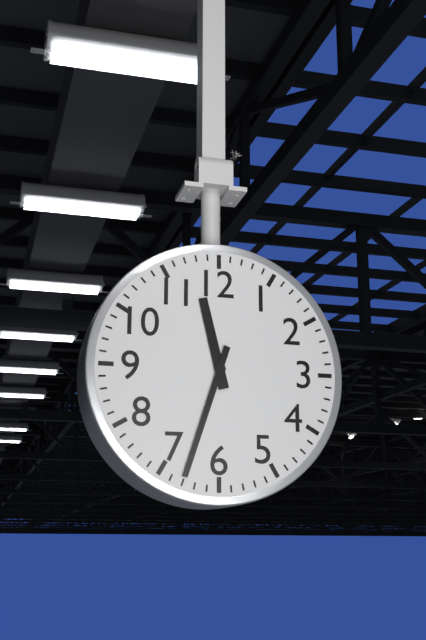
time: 11:33
